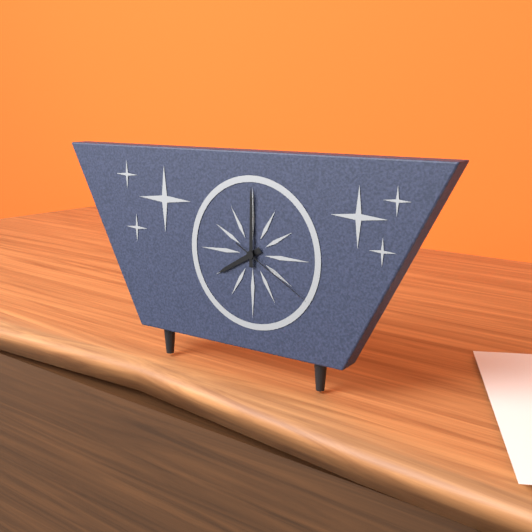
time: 8:00:20
